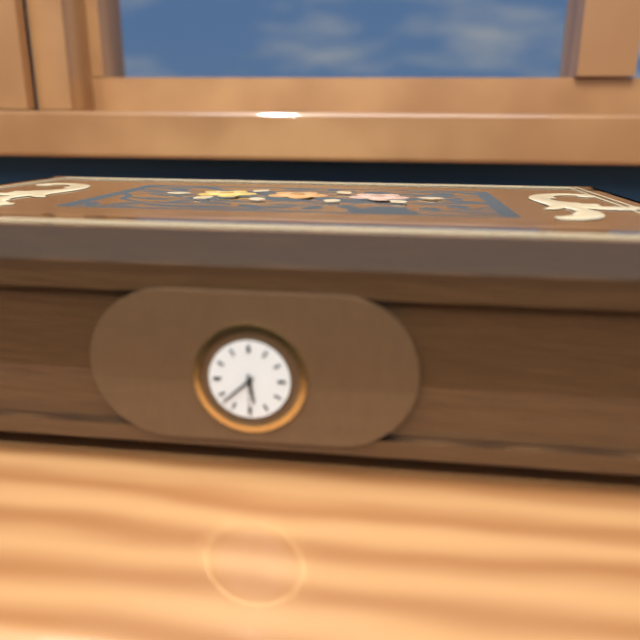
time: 5:38:30
